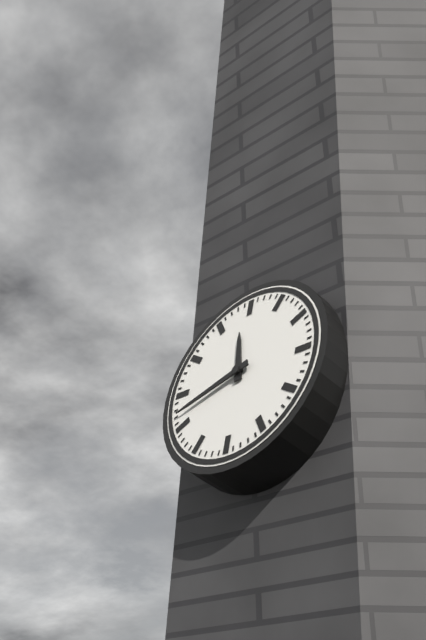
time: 11:42
